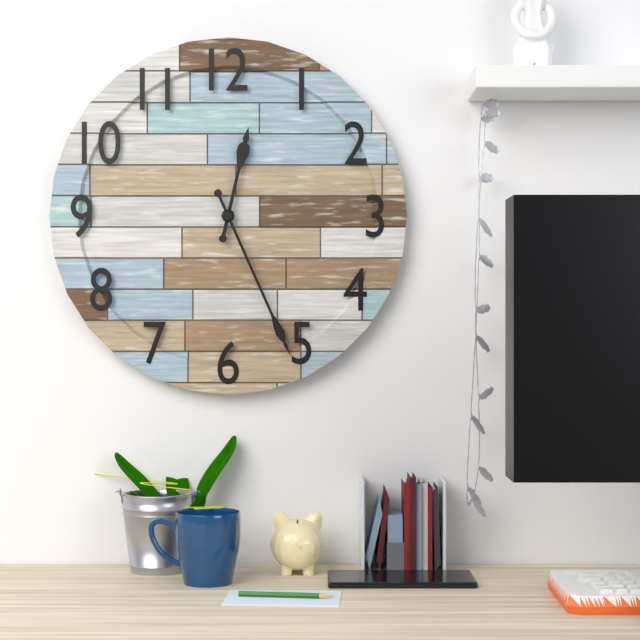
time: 12:26
